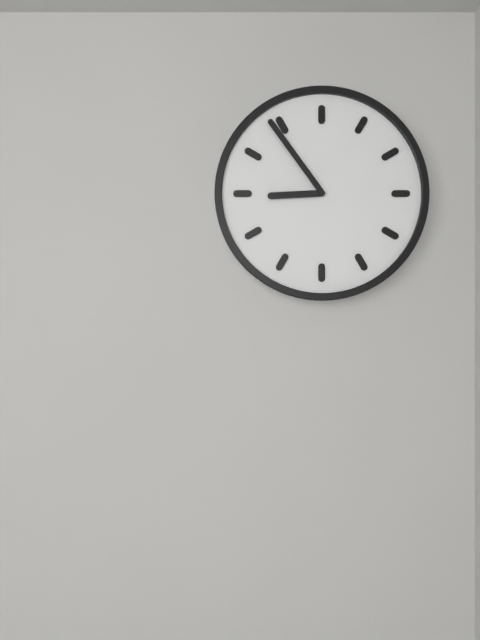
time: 8:54
